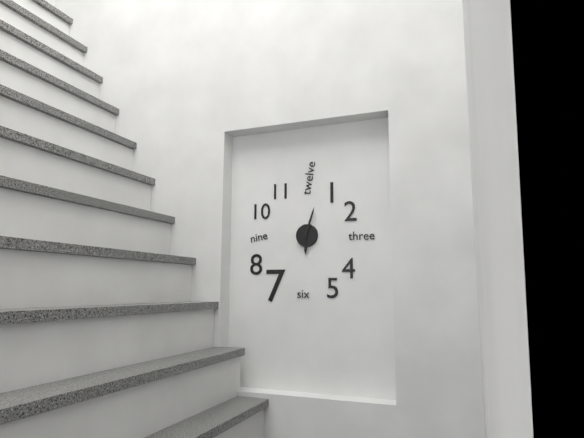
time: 6:03
